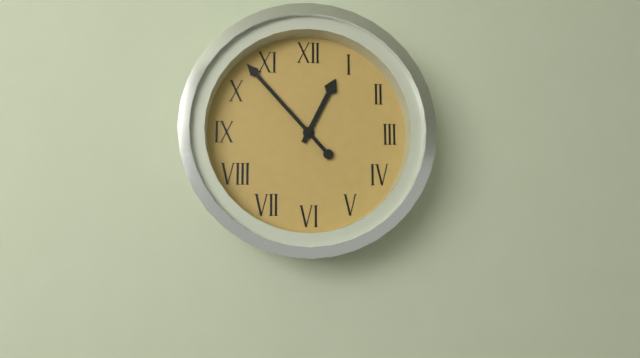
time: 12:53
